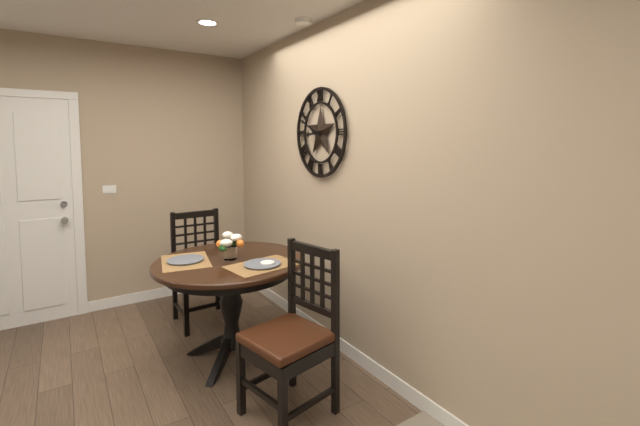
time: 8:49
